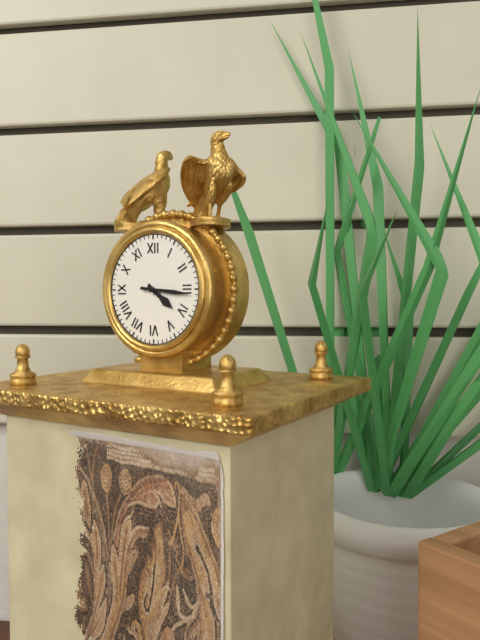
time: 4:16
